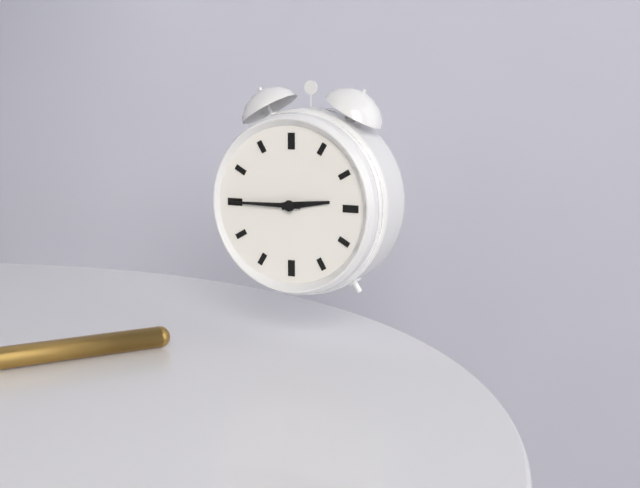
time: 2:45
